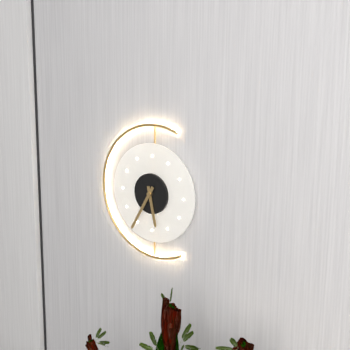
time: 5:35
